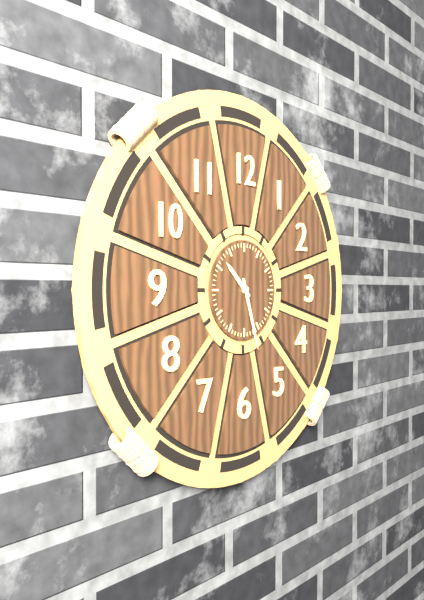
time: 10:27
